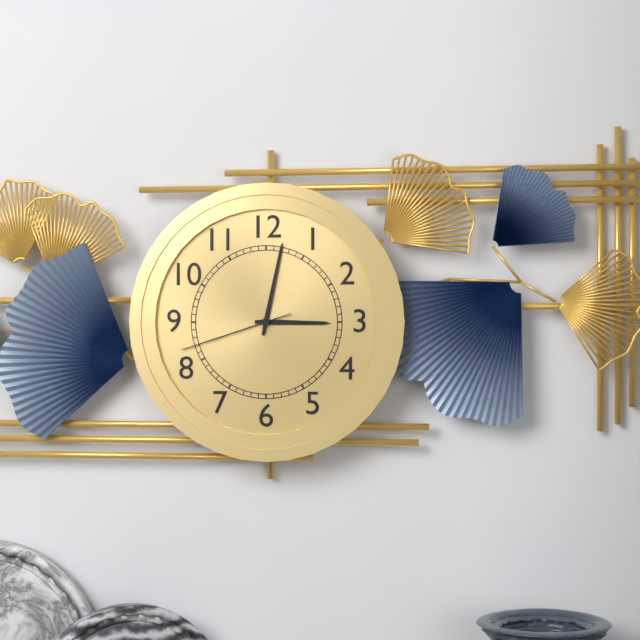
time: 3:02:42
